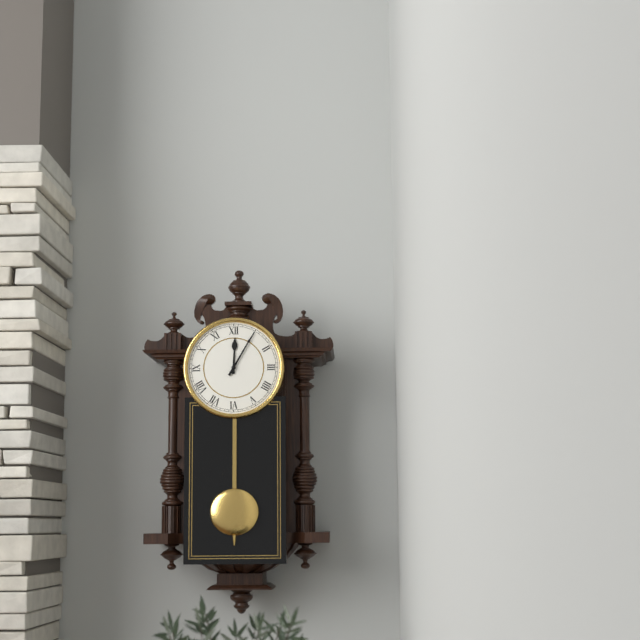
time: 12:05
